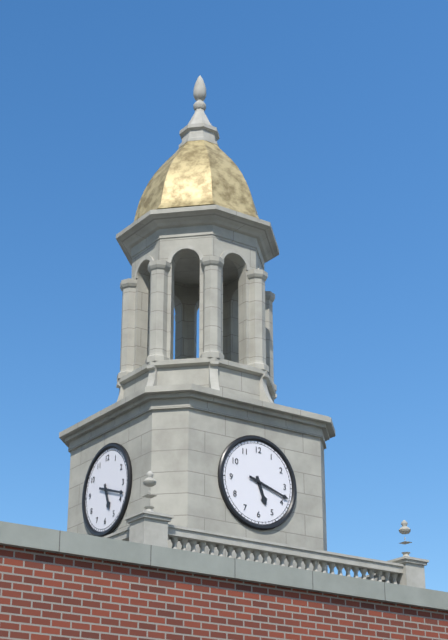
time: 5:18
